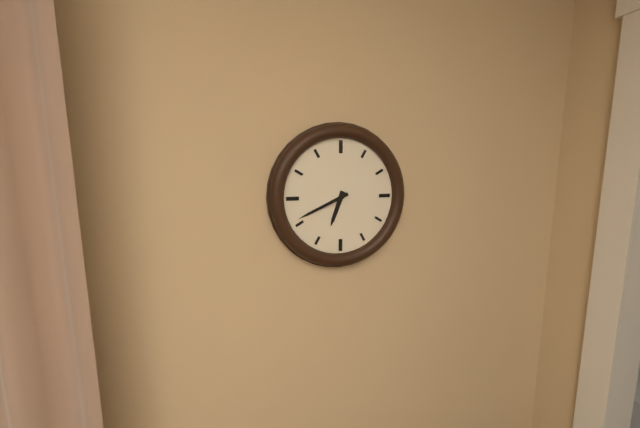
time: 6:41
